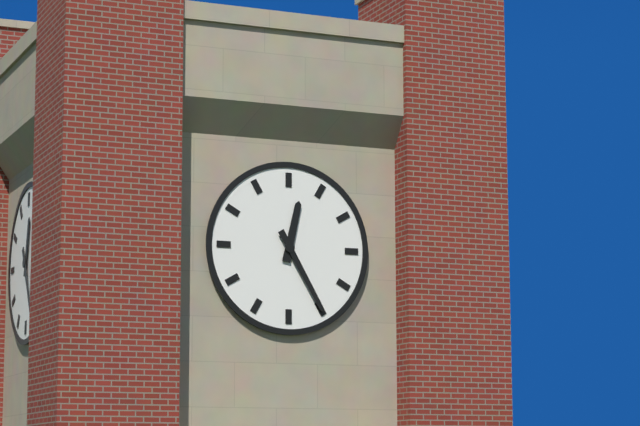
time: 12:25
